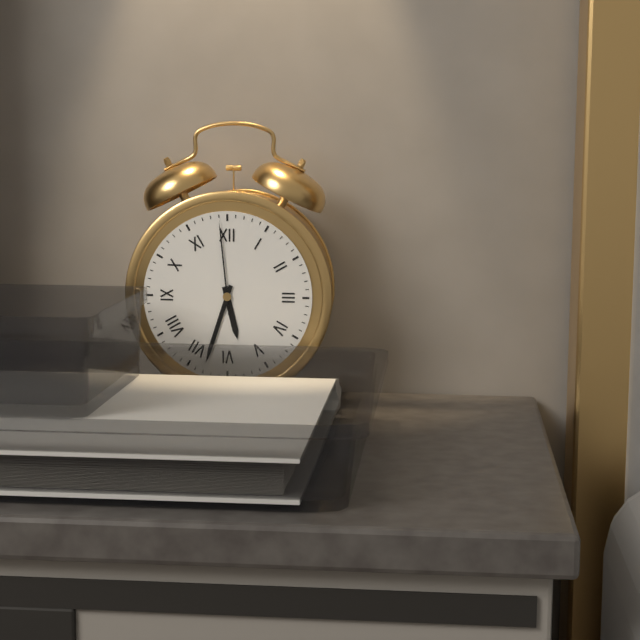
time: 5:33:59
